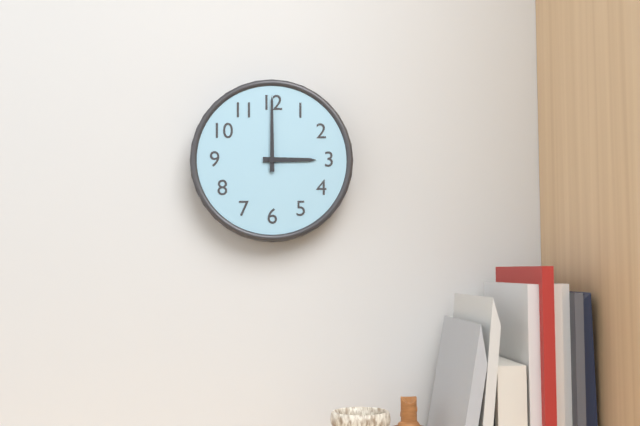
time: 3:00
